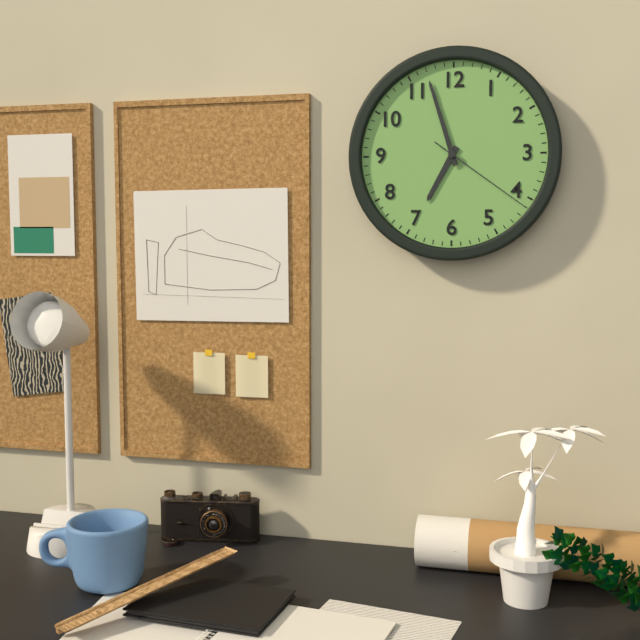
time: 6:57:21
